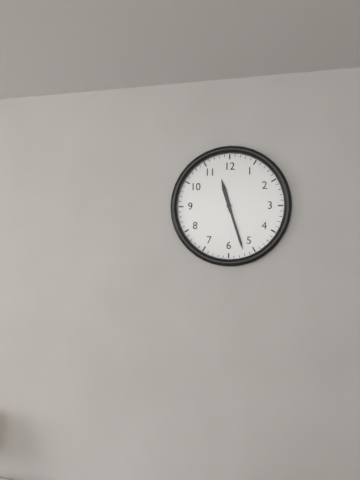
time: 11:27
